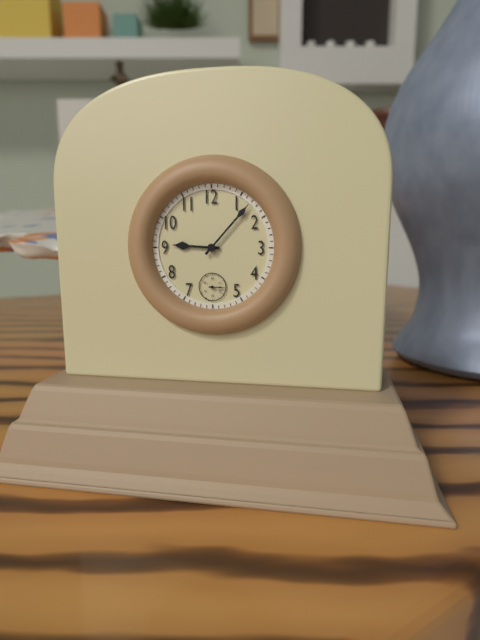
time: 9:07
